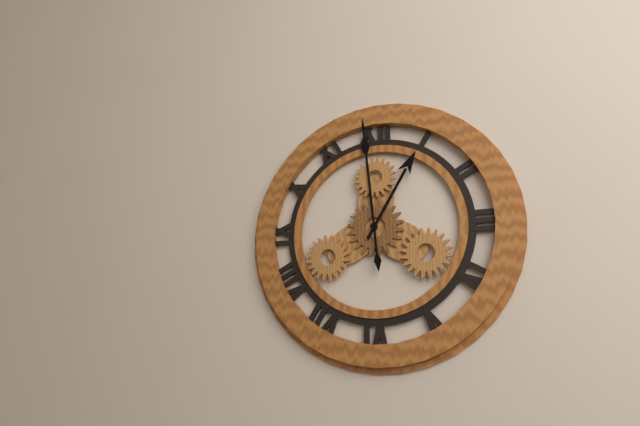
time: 12:59
